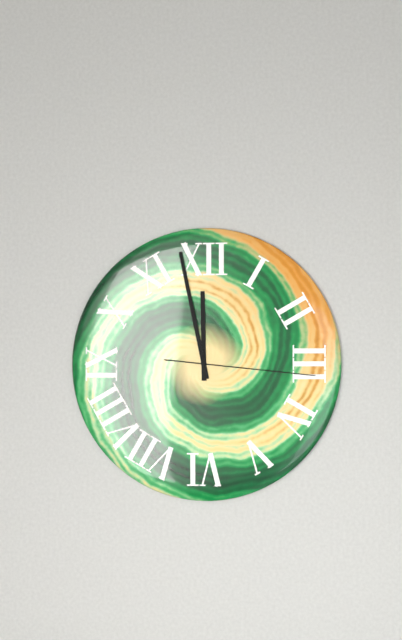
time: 11:58:16
